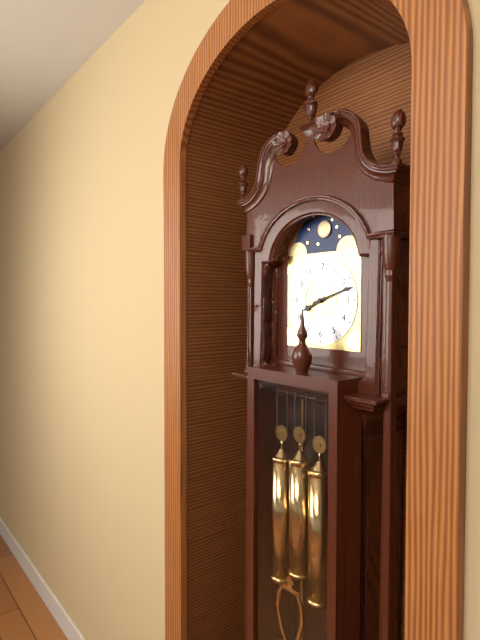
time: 8:12
